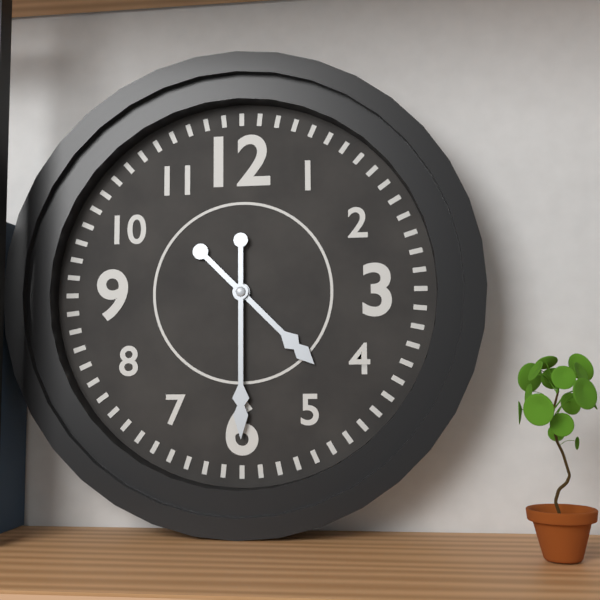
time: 4:30
